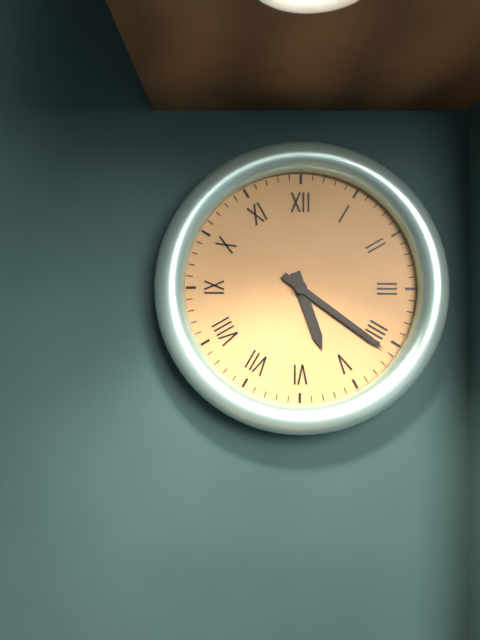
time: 5:21
